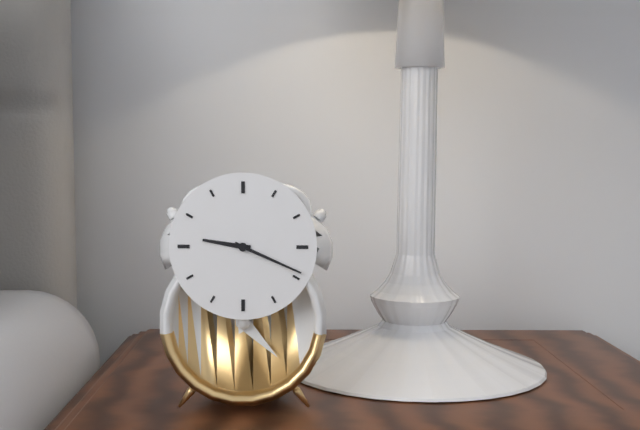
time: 9:19
